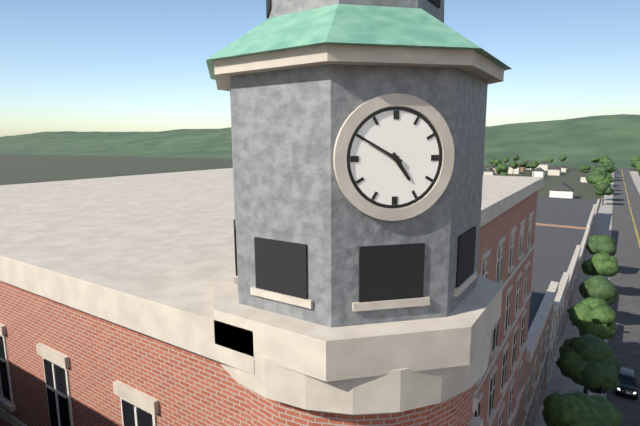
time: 4:50
